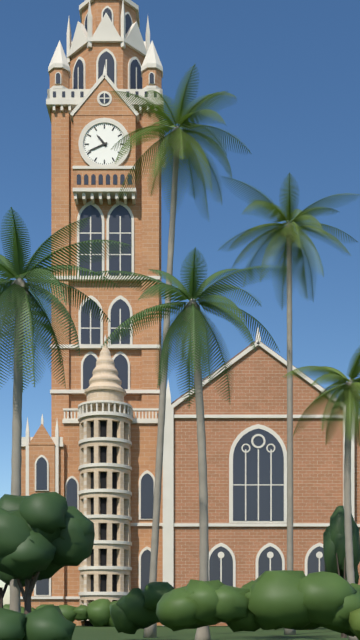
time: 10:41
